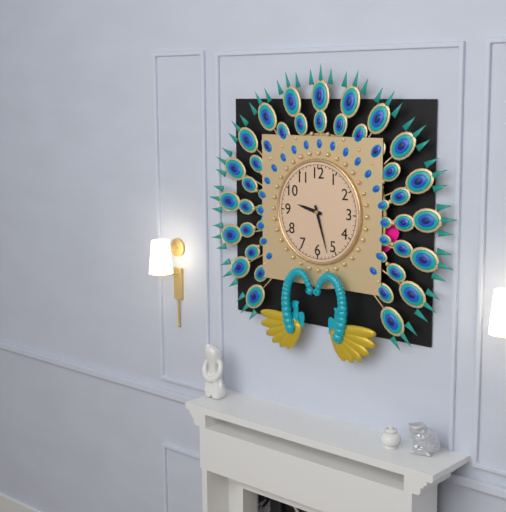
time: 9:27
